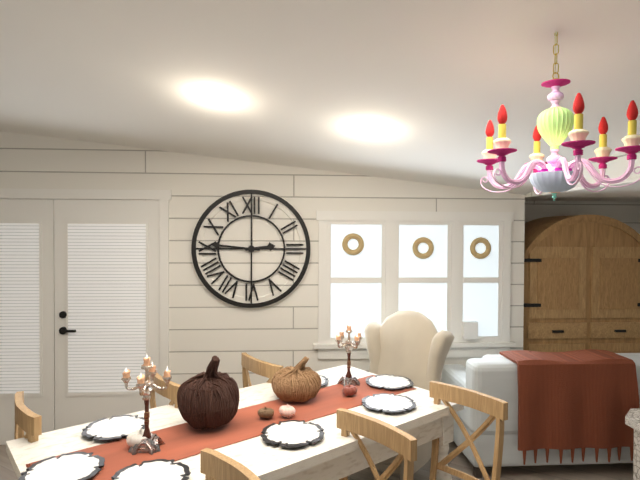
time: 2:46
